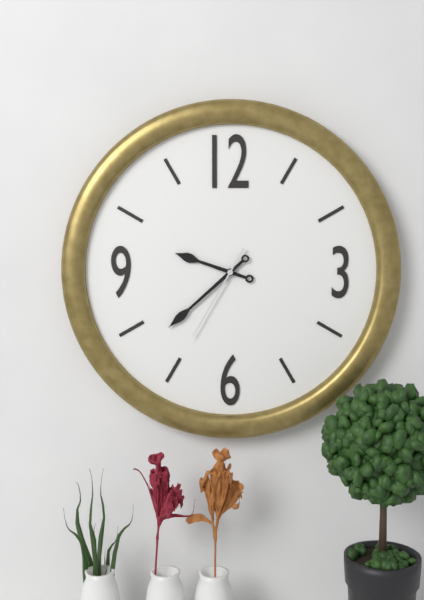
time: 9:38:35
